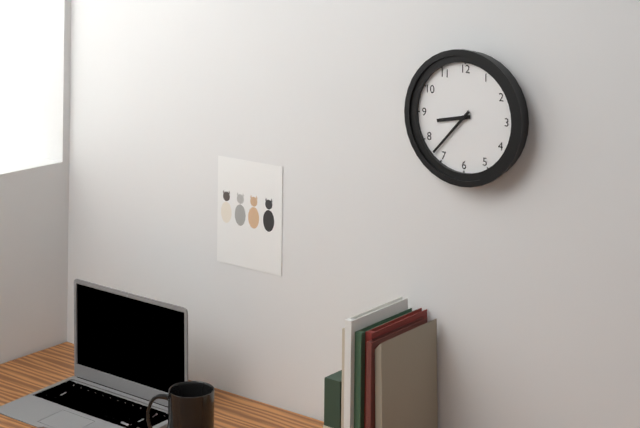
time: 8:37
